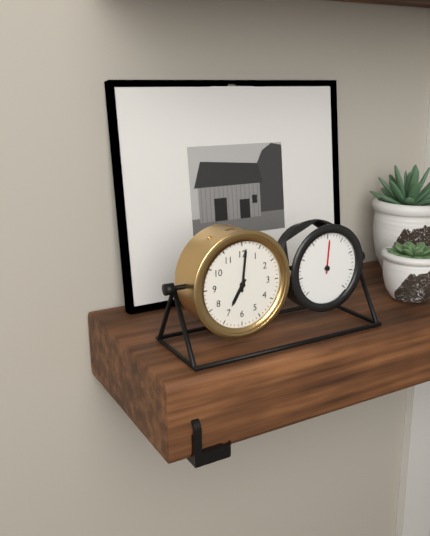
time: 7:01
